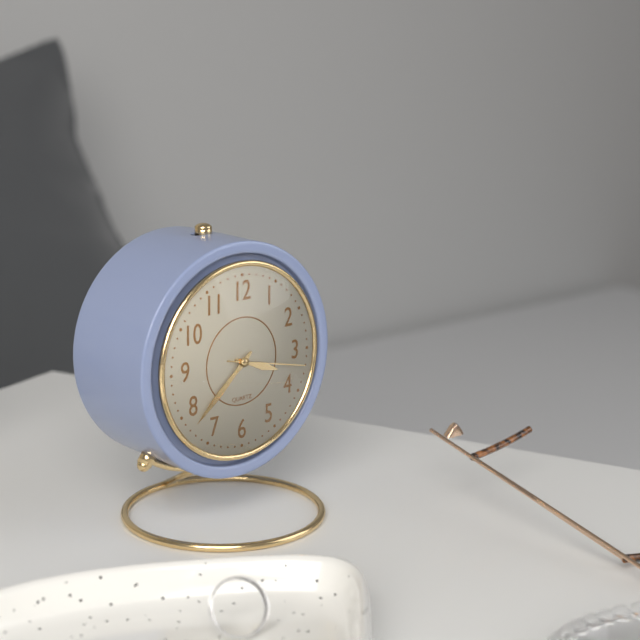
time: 3:38:17
